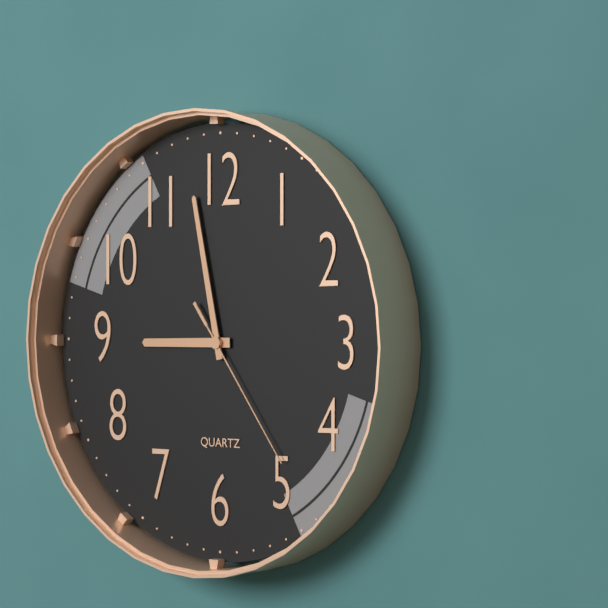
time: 8:58:24
